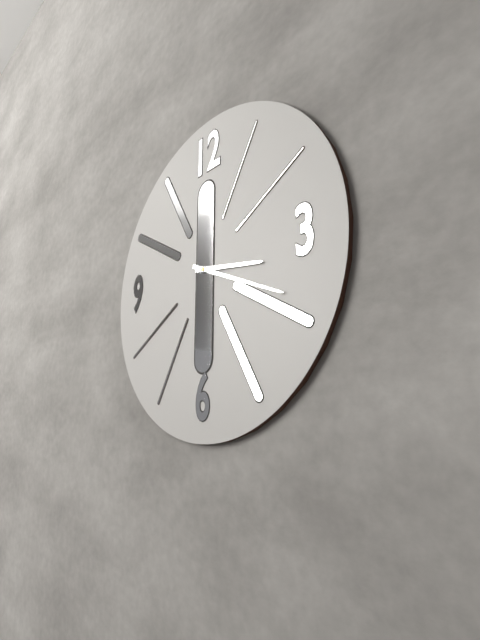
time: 3:19
